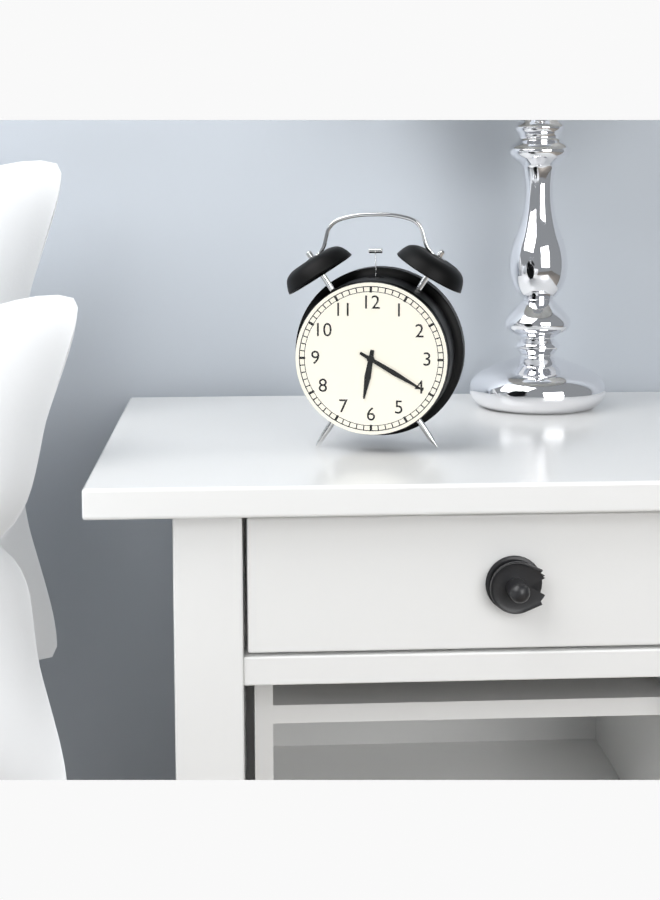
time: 6:20
